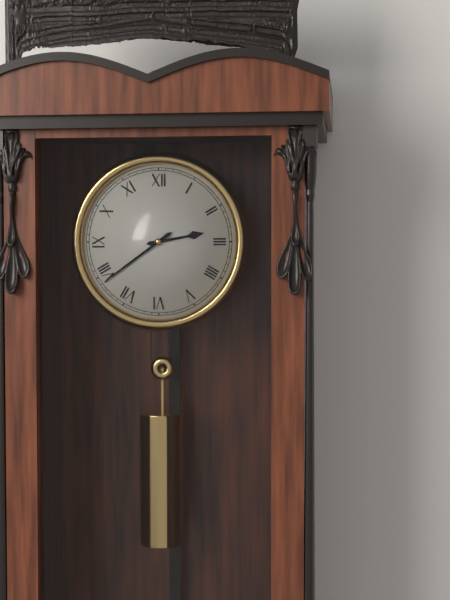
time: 2:39
